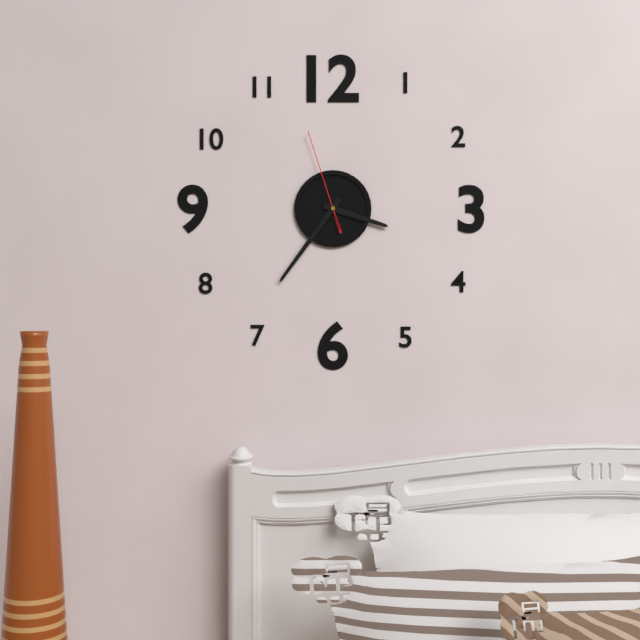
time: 3:36:57
